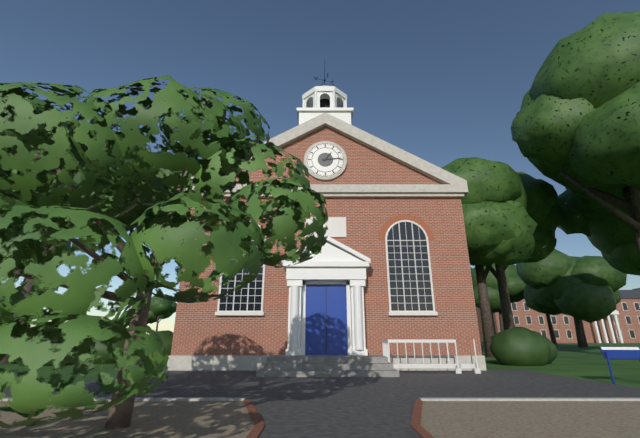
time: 1:14
